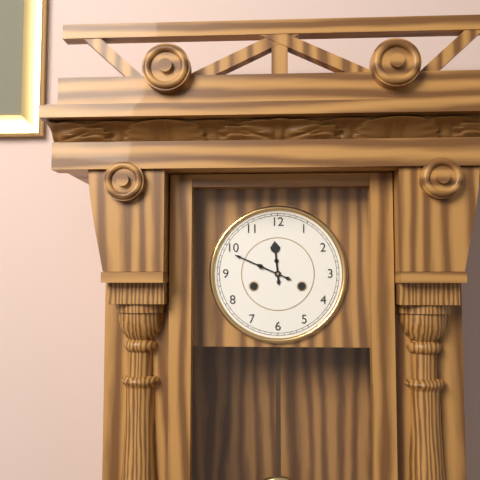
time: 11:49
